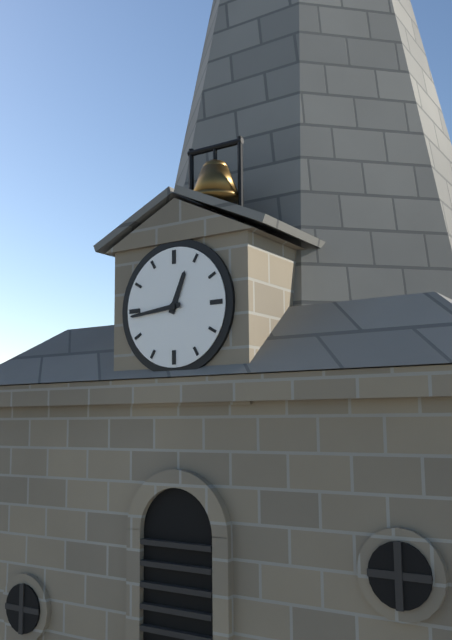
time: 12:44
